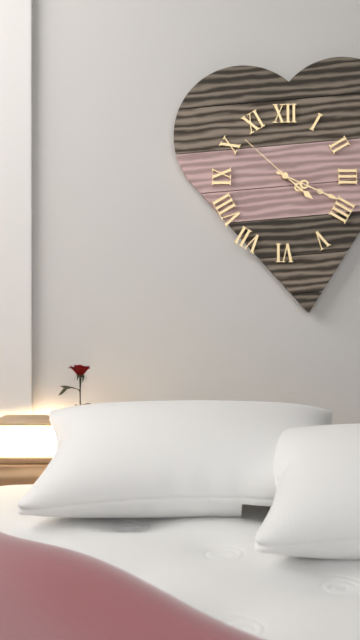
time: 4:19:52
